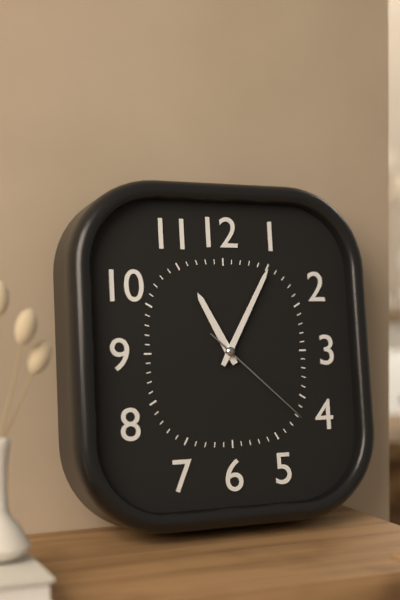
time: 11:05:22
